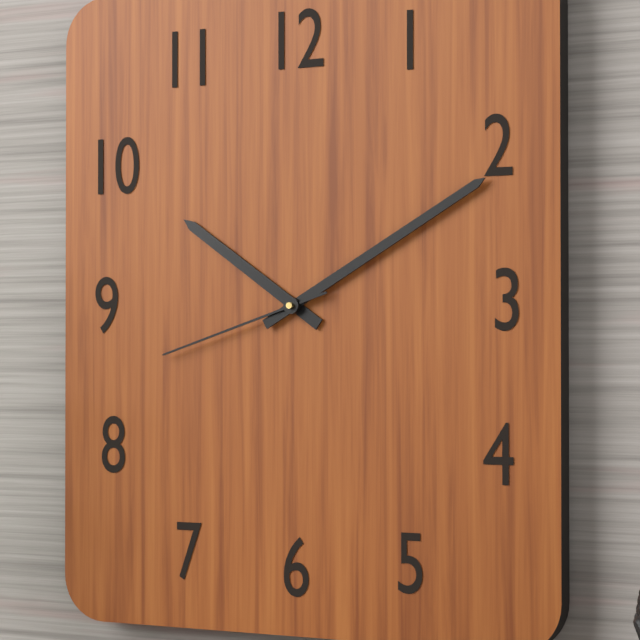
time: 10:10:42
